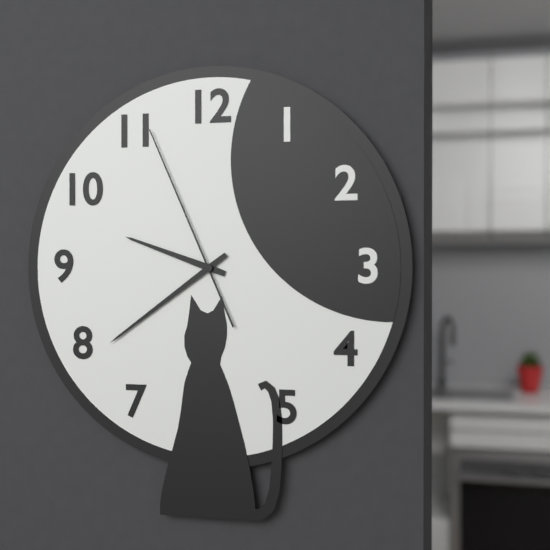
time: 9:39:56
